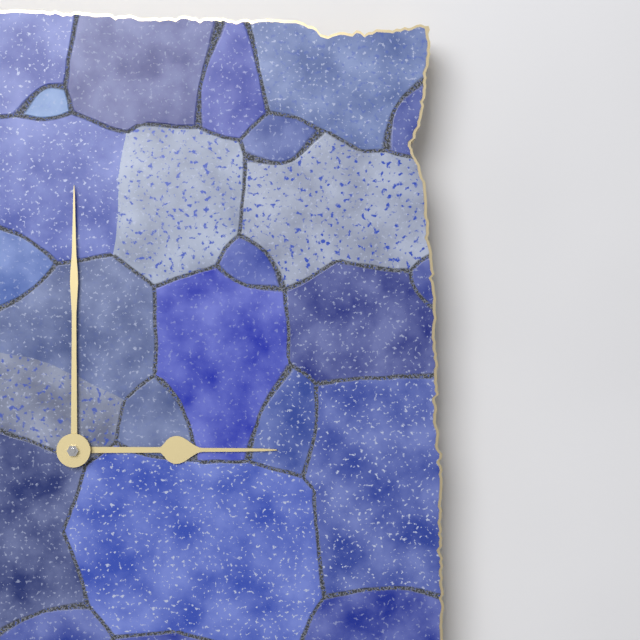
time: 3:00
